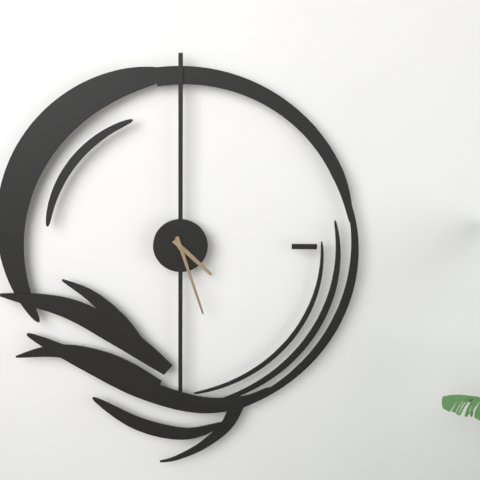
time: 4:27
